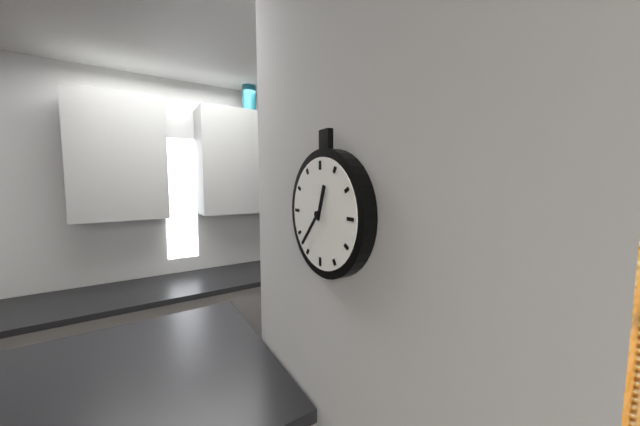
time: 12:37
